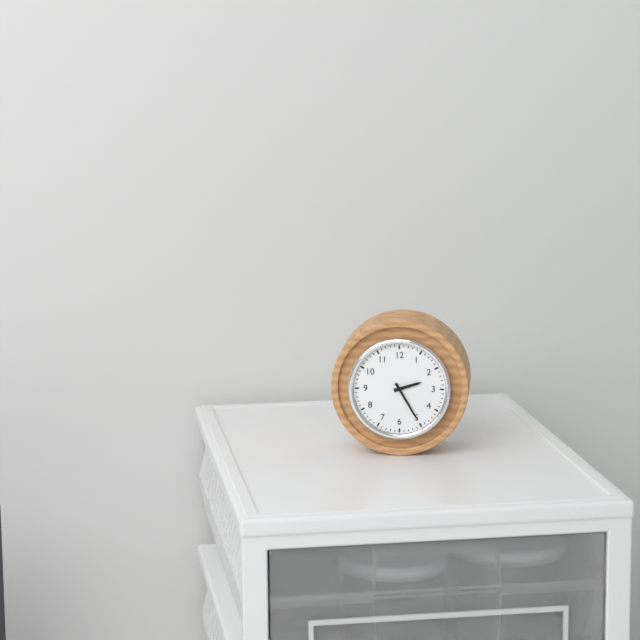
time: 2:25
